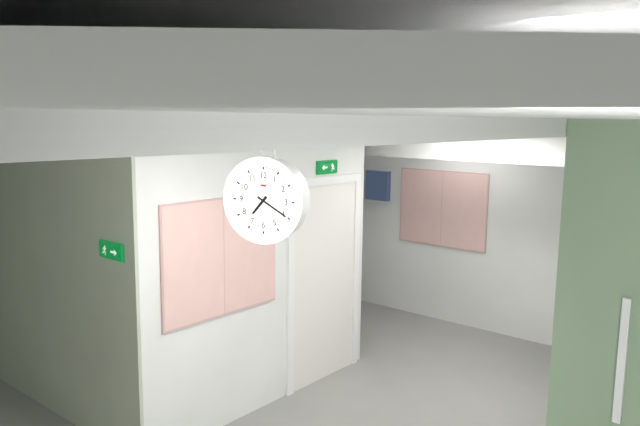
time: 7:20
